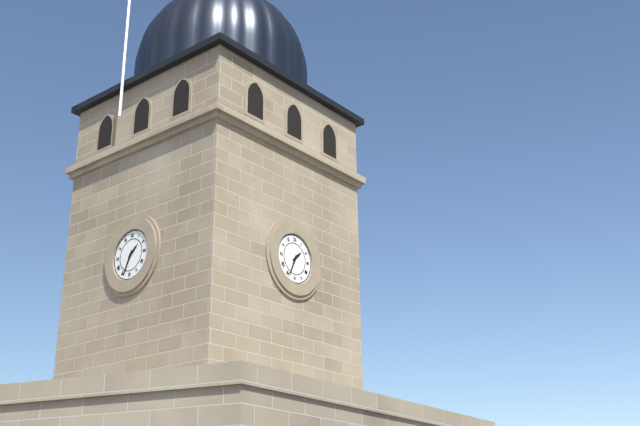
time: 1:34
